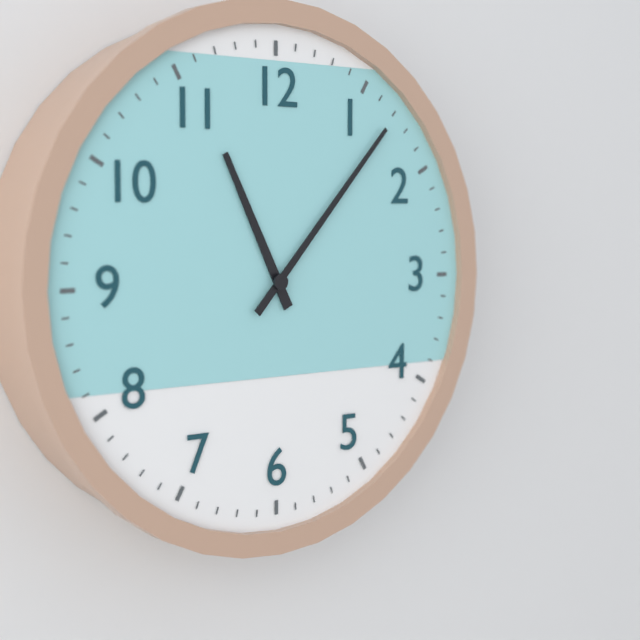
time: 11:07
